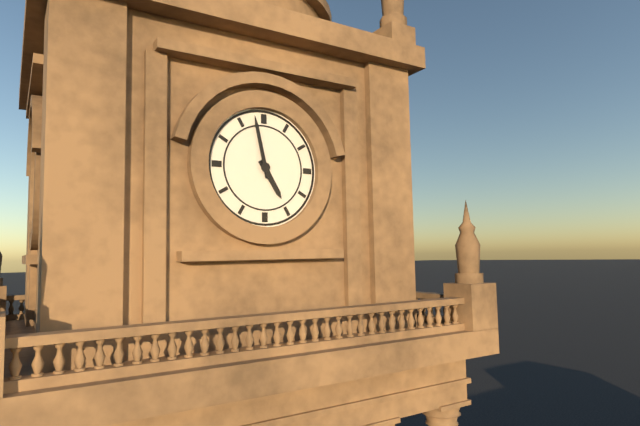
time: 4:58
